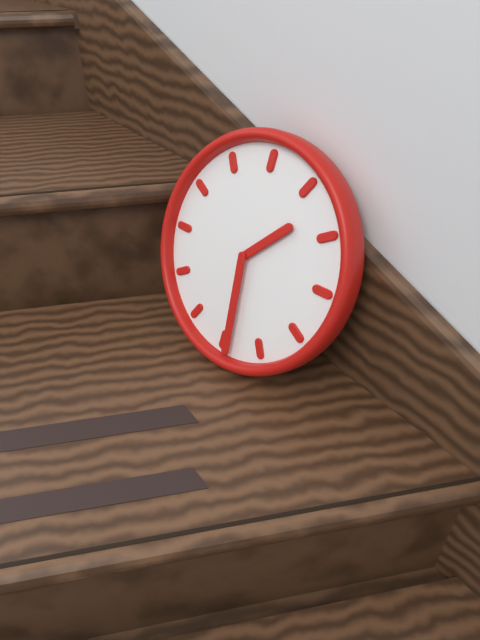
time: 1:29
